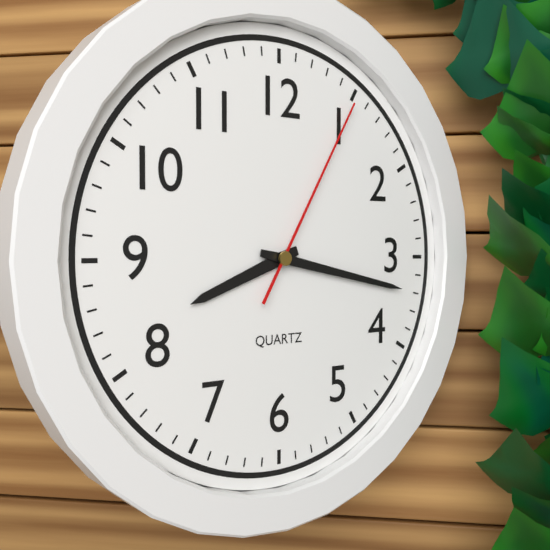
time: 8:17:05
